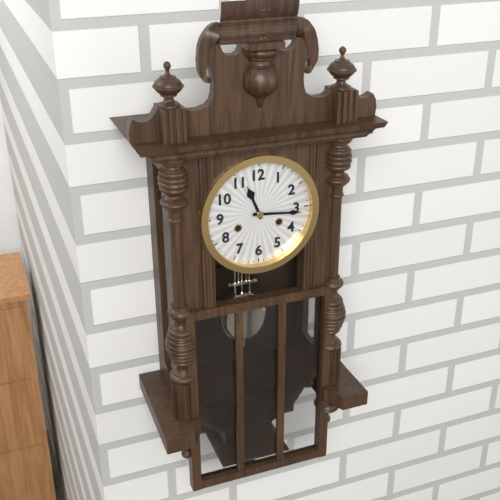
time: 11:16
